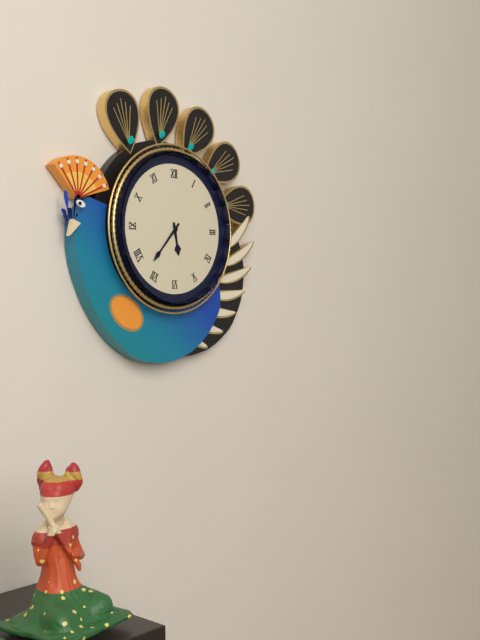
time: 5:37
